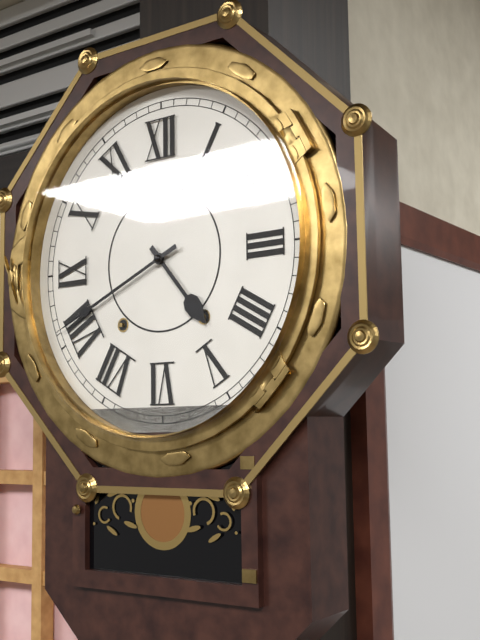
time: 4:41
